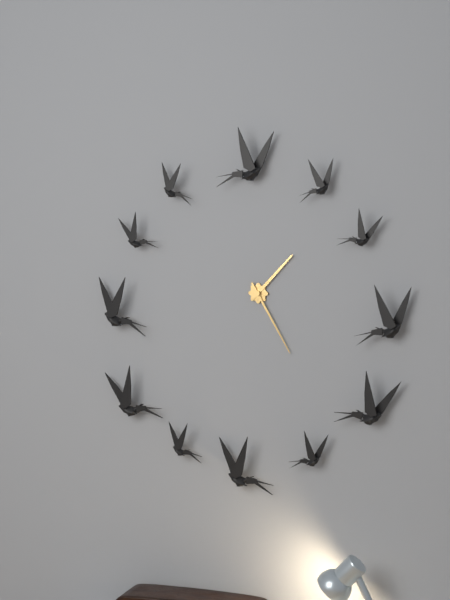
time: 1:25
